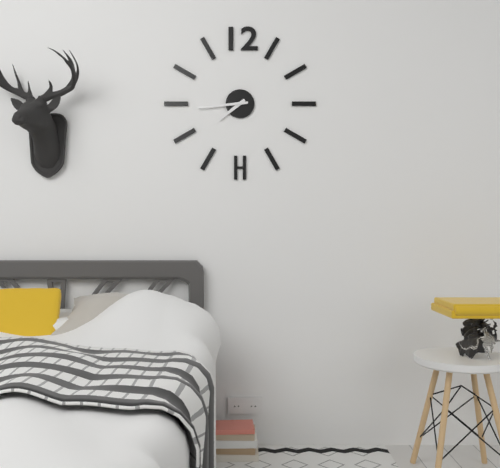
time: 7:44
